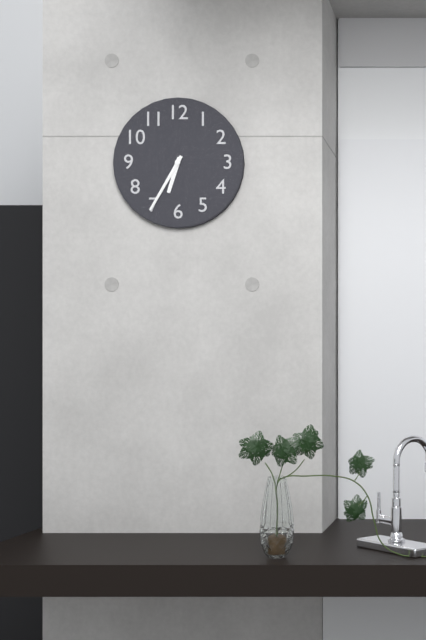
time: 6:35
